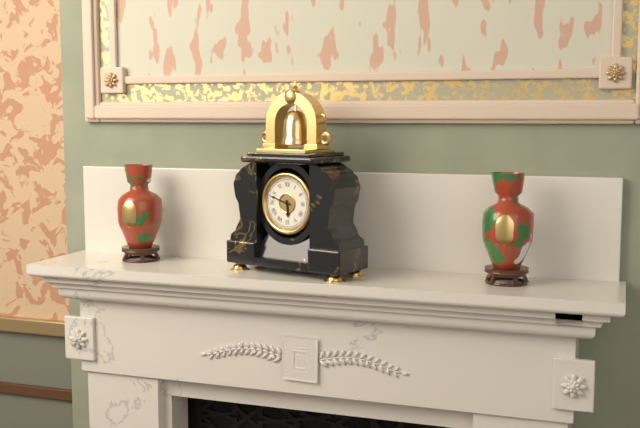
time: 5:48
